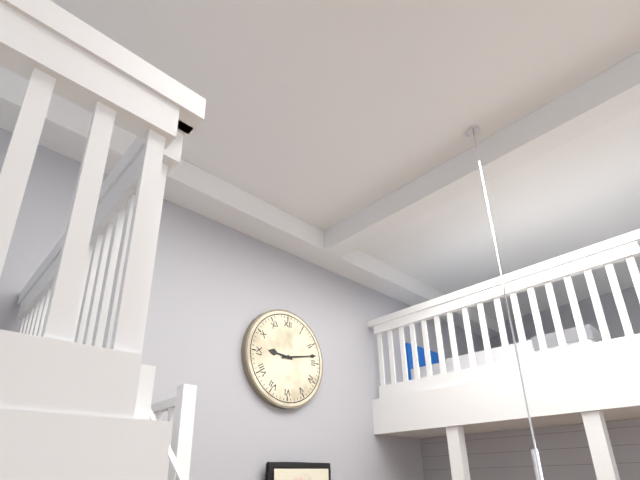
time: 9:13
